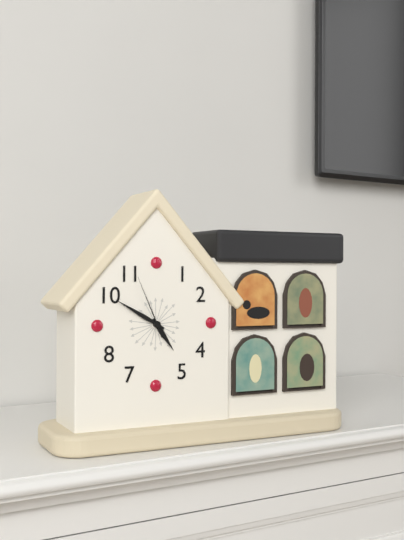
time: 4:50:56
